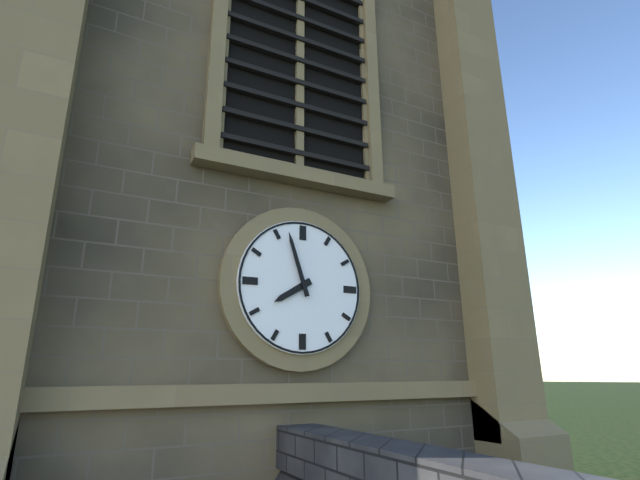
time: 7:57
